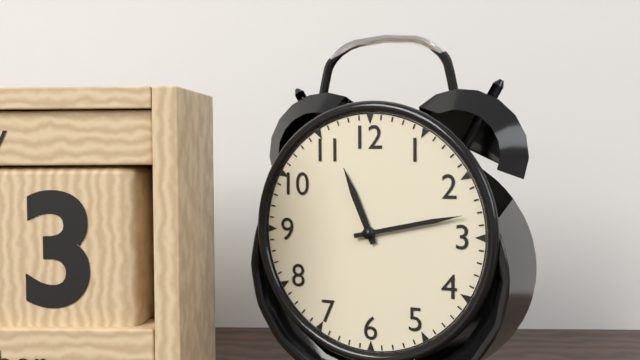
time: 11:13
